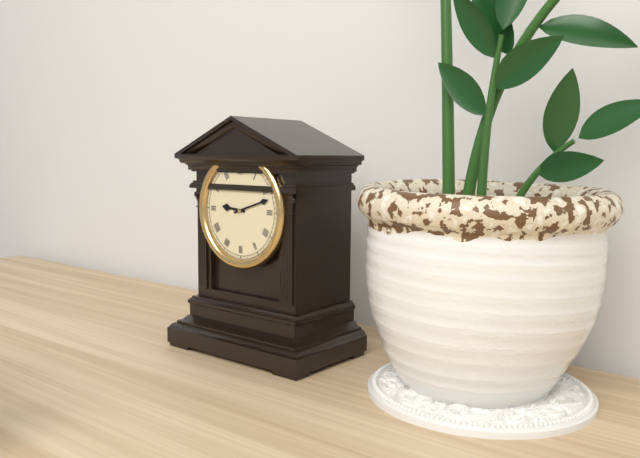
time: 9:12
